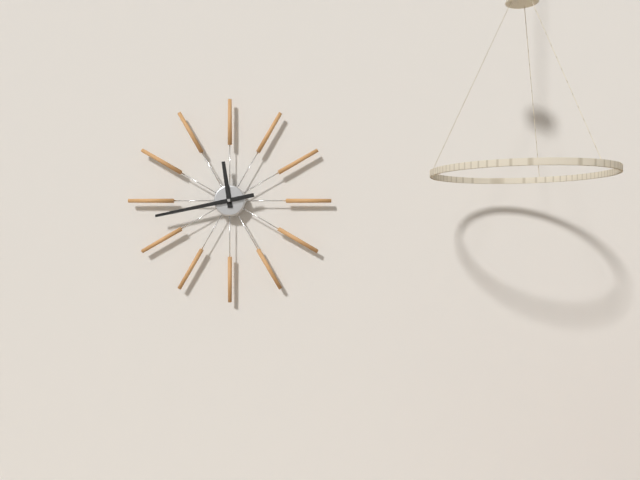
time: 11:43
